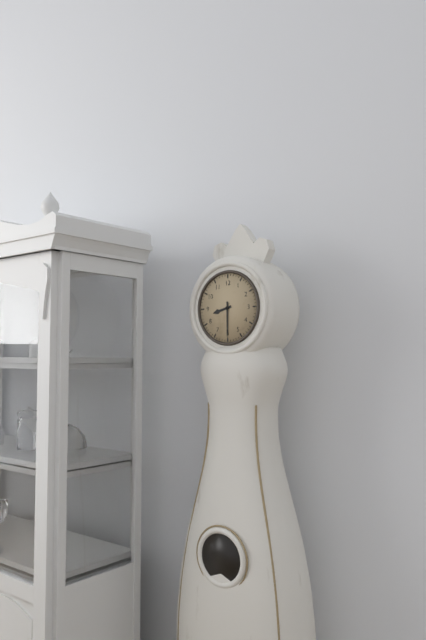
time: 8:30
